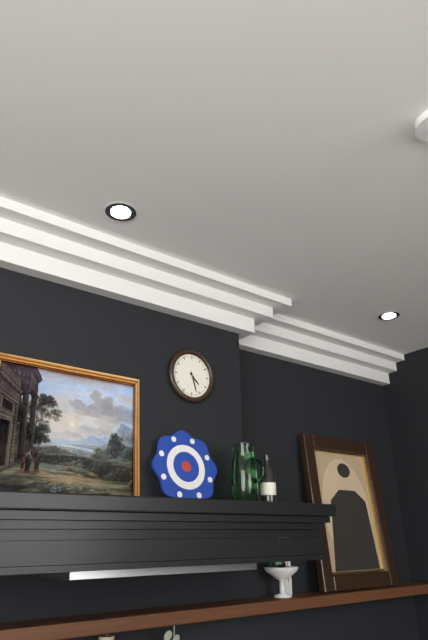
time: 4:27
